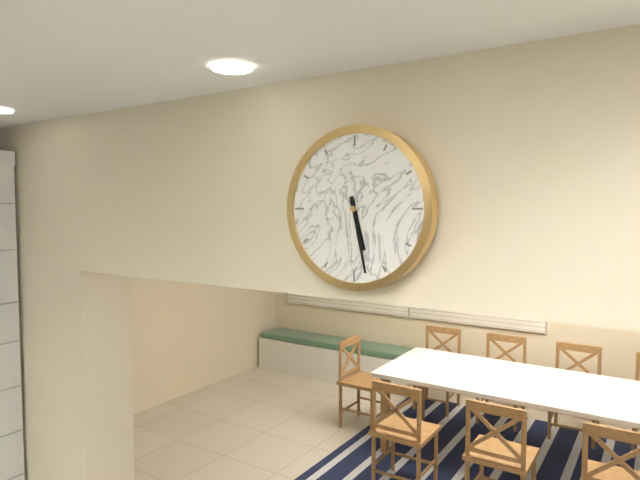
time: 5:28
